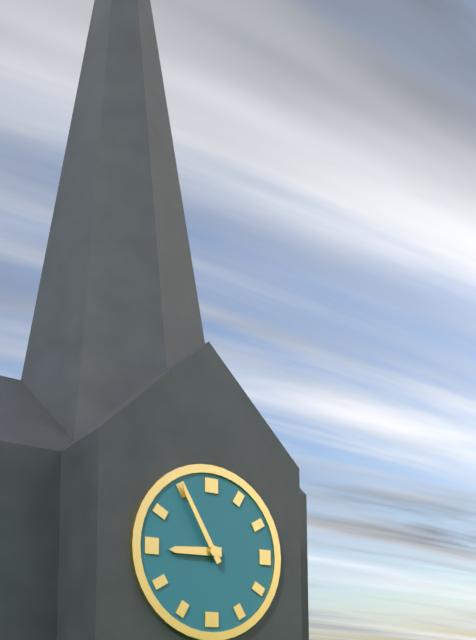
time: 8:55
